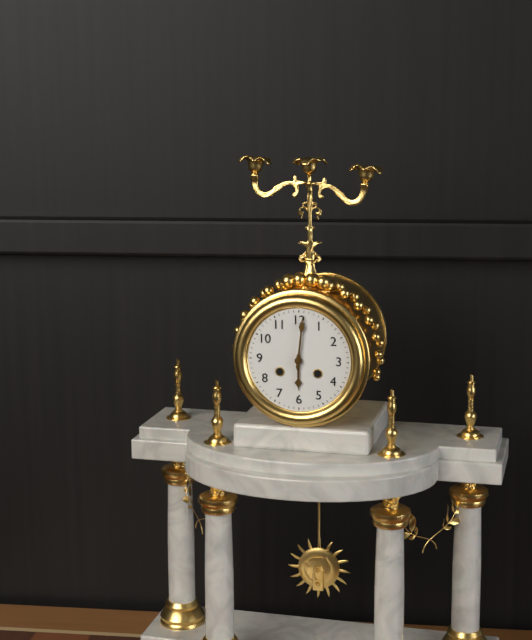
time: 6:01
